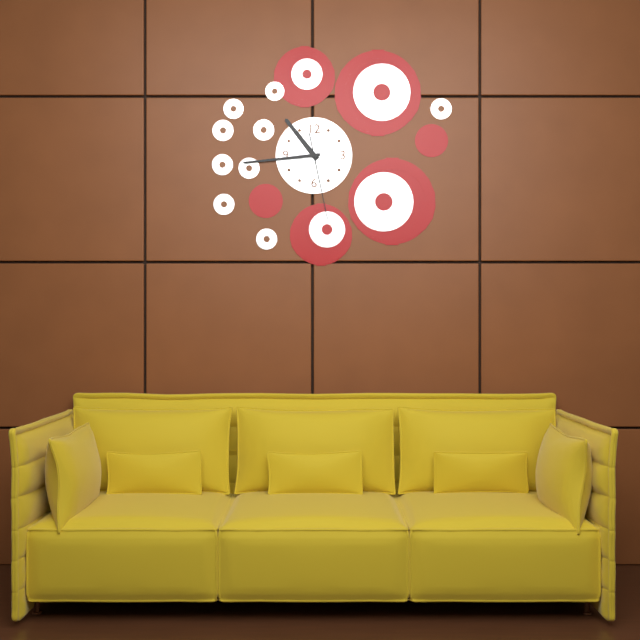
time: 10:44:28
